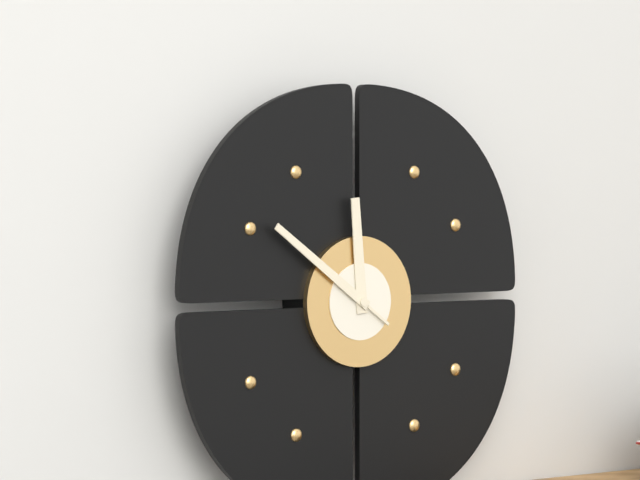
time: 11:51
